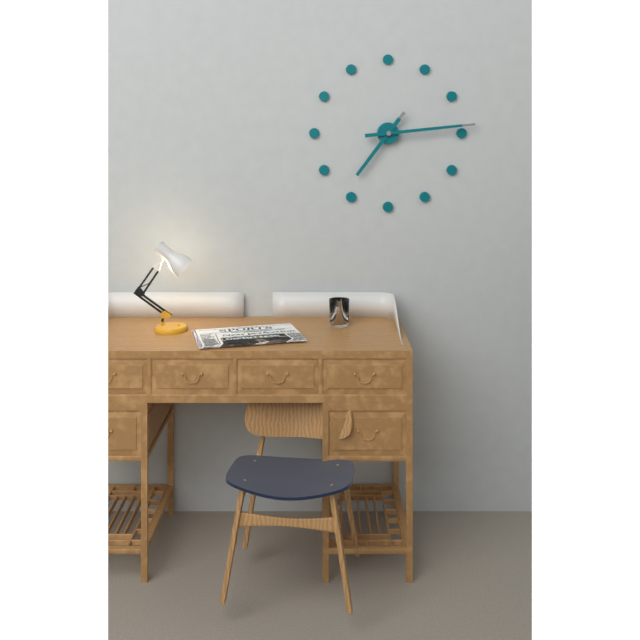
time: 7:14
